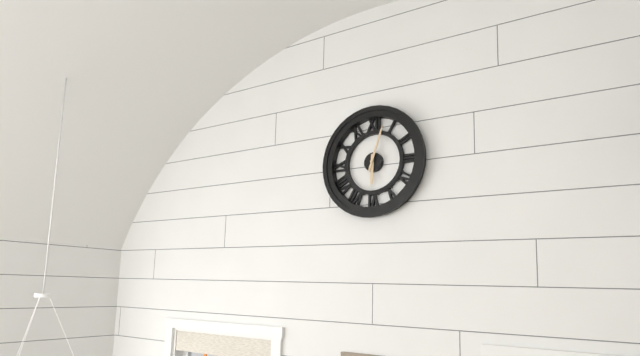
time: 6:03
